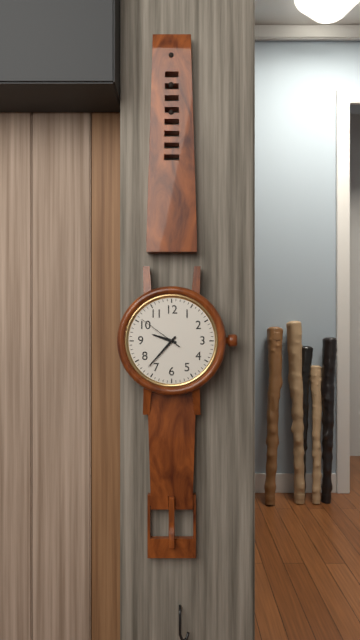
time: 9:37
